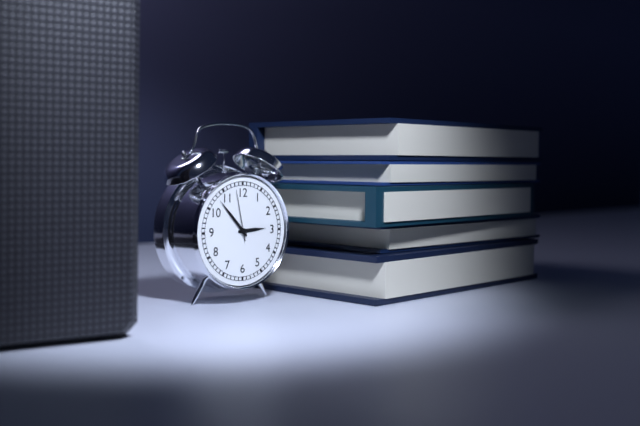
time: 2:53:58
